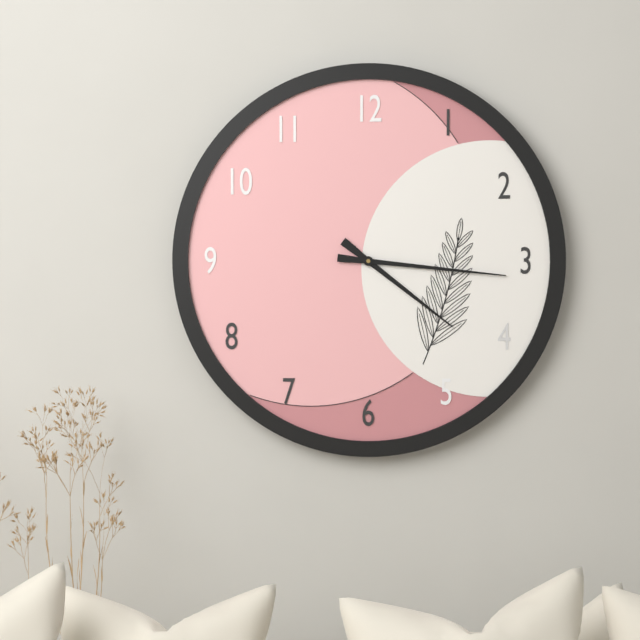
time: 4:16
